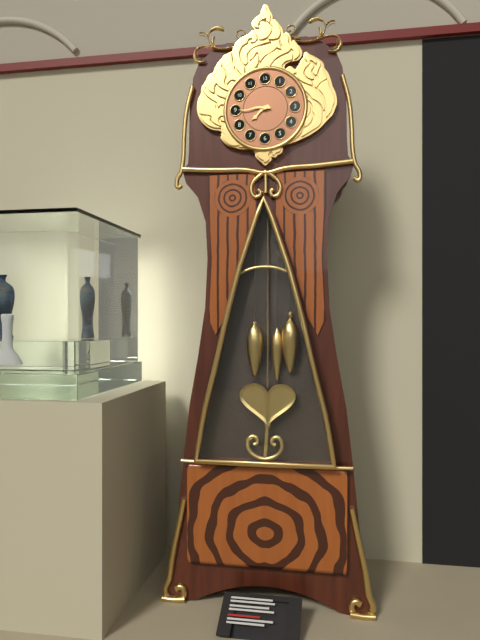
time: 7:45
